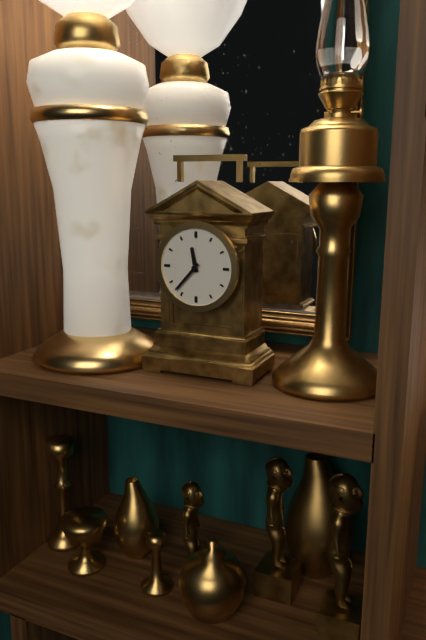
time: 11:37
